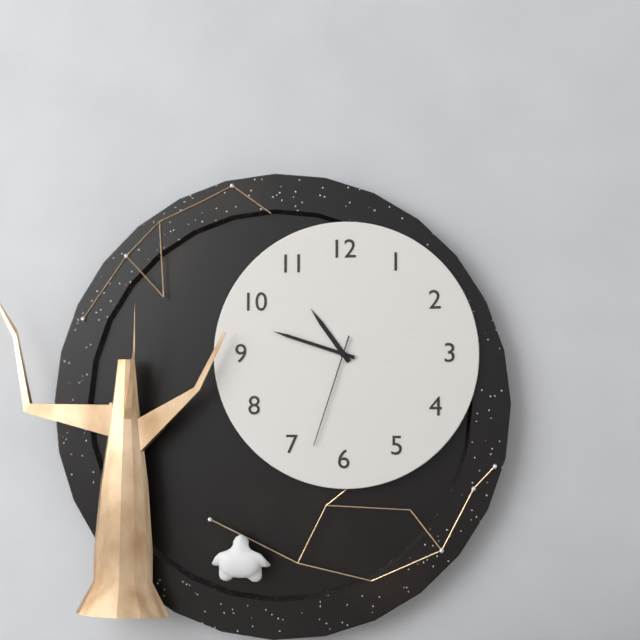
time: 10:48:33
